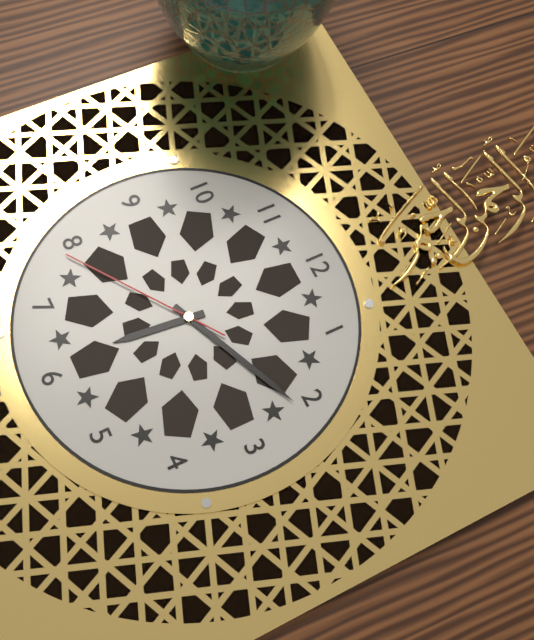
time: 6:11:39
